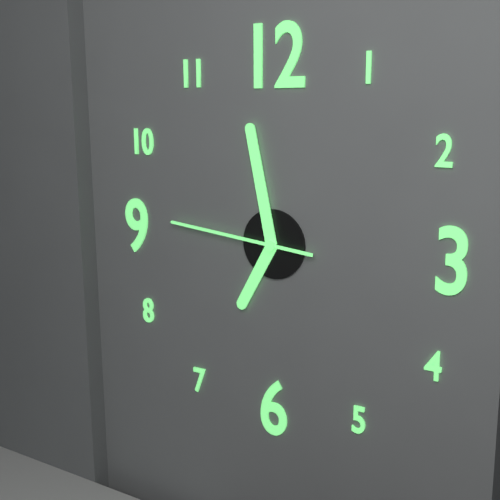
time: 6:58:46
